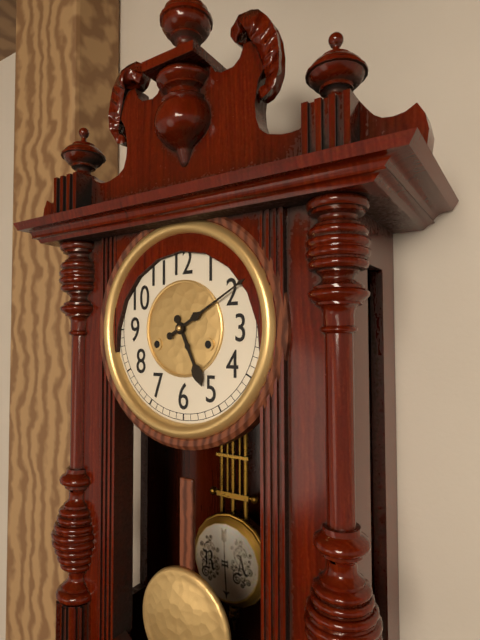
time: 5:10
